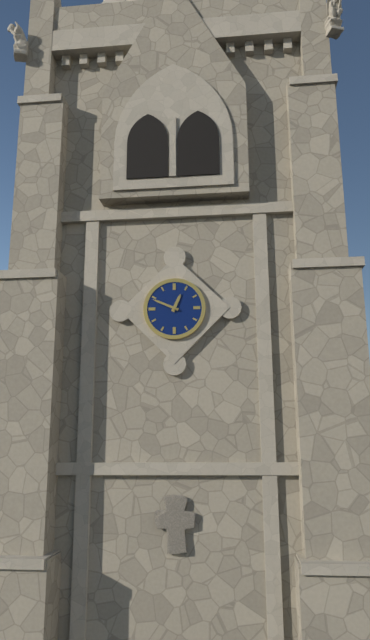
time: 12:49
